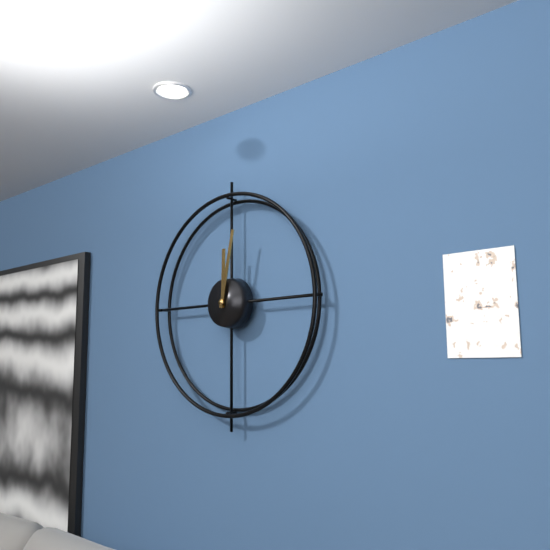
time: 12:02
